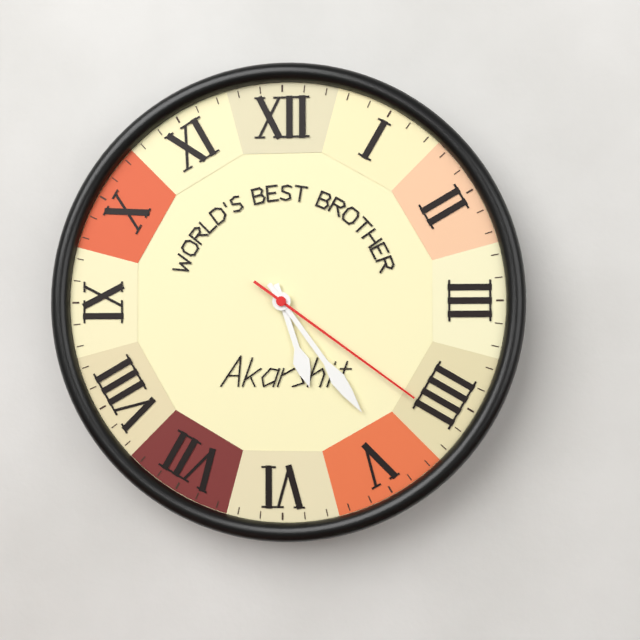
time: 5:24:21
